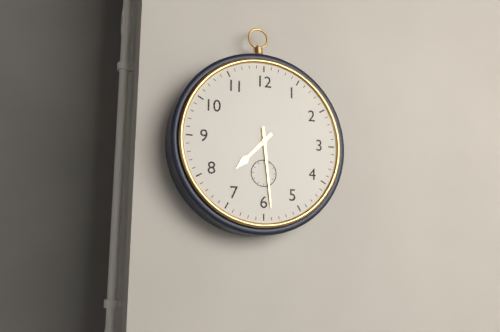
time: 7:29
